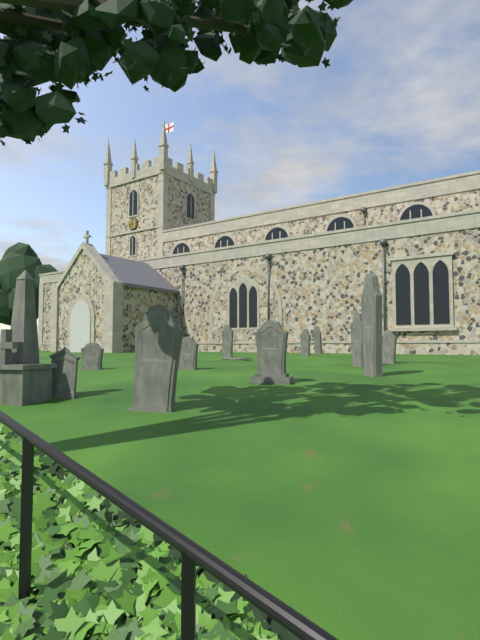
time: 11:40
